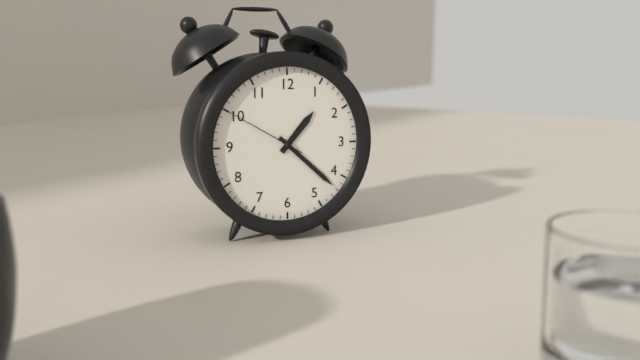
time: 1:22:50
